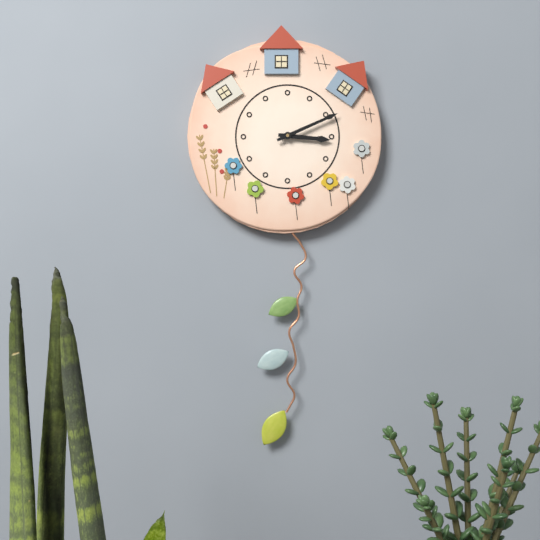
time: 3:11
